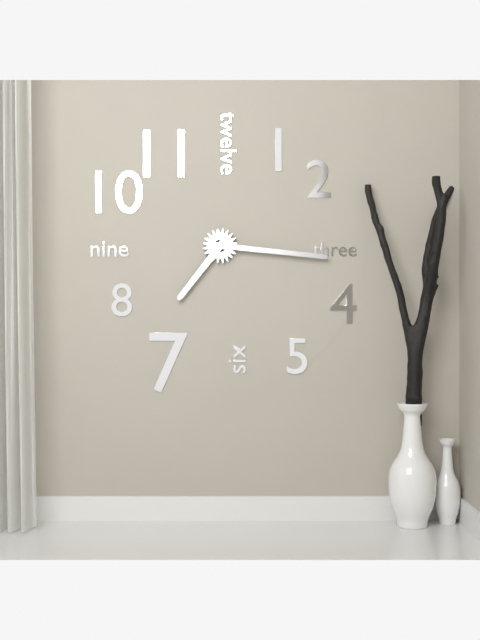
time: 7:16
